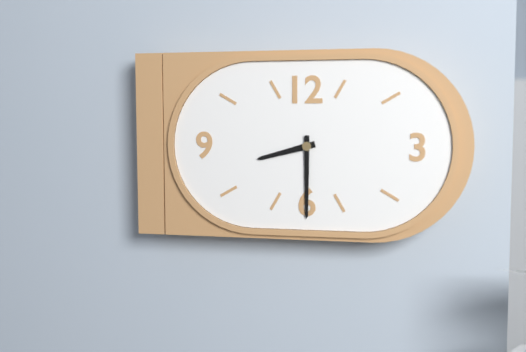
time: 8:30
